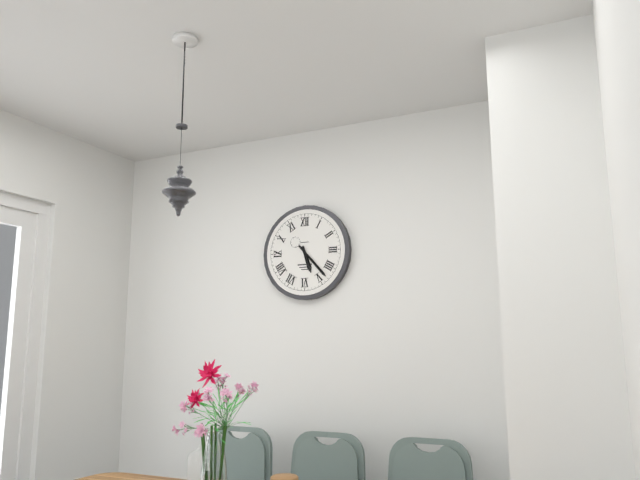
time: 5:23
